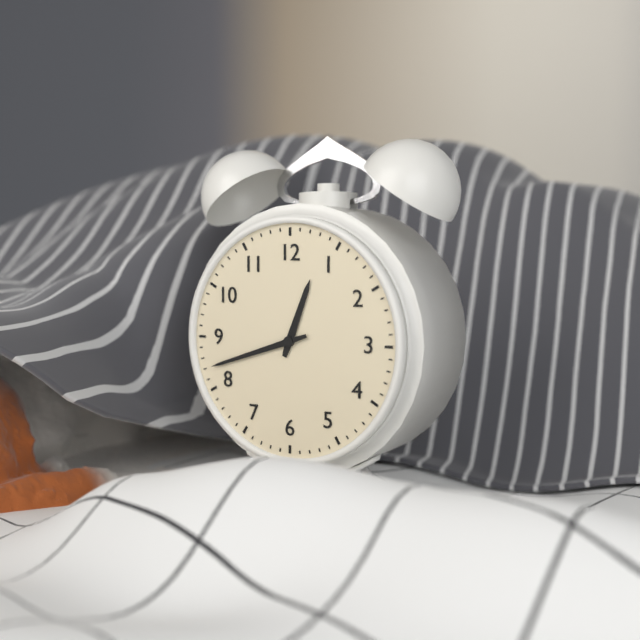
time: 12:42
